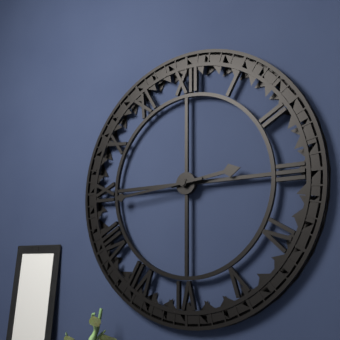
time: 2:44
